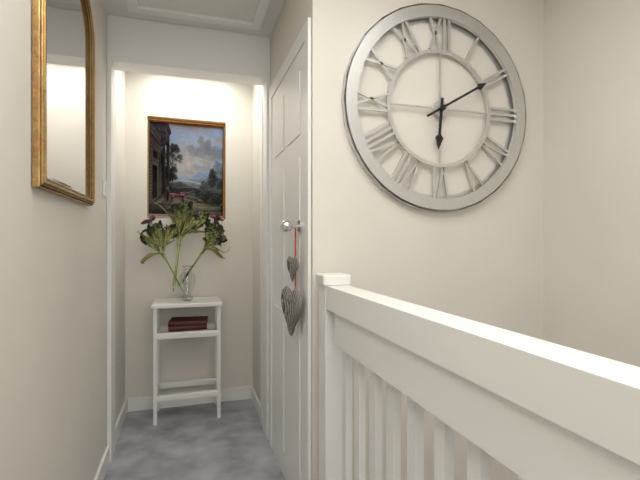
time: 6:10
